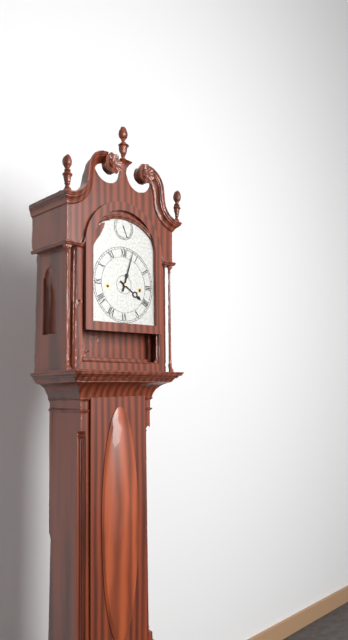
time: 4:03
